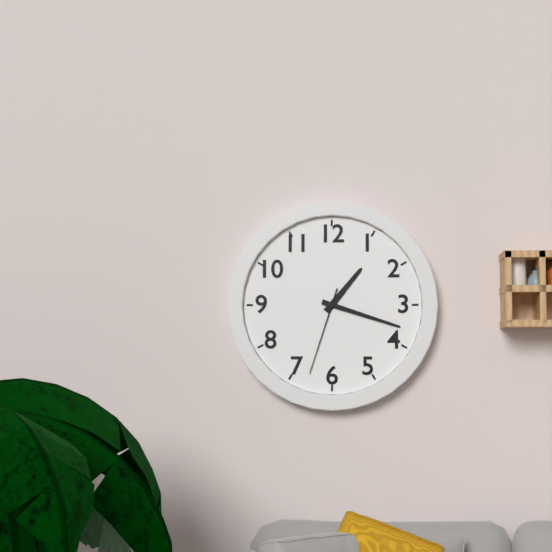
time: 1:18:33
